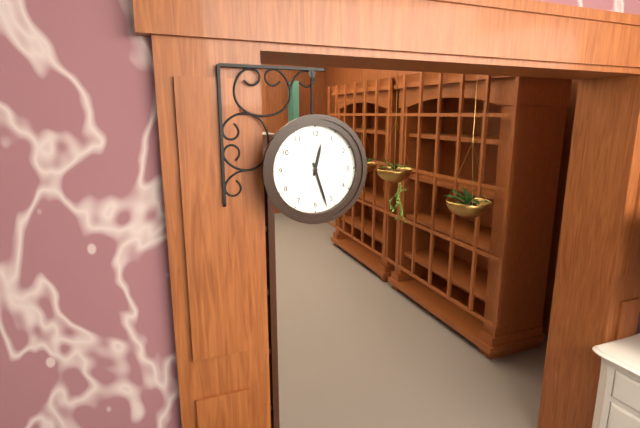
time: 12:27
